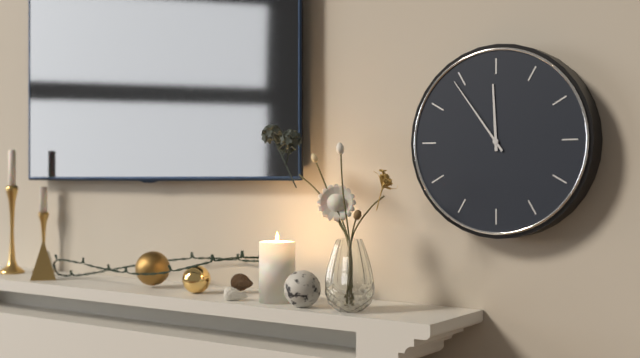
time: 11:54
